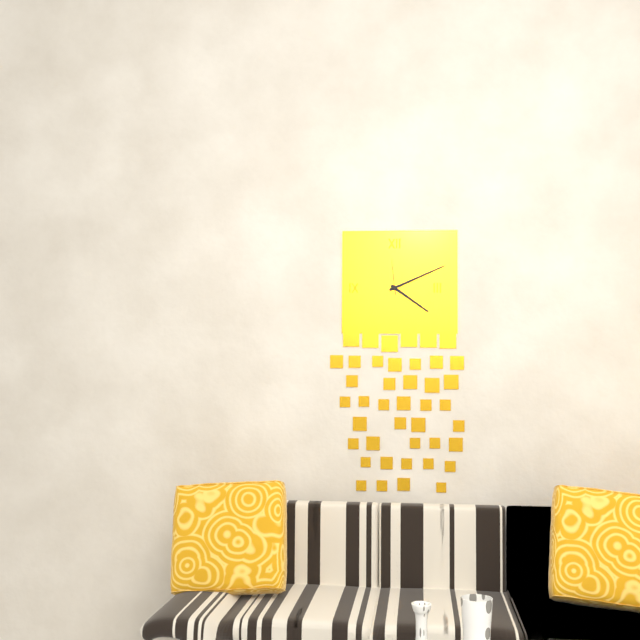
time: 4:11
